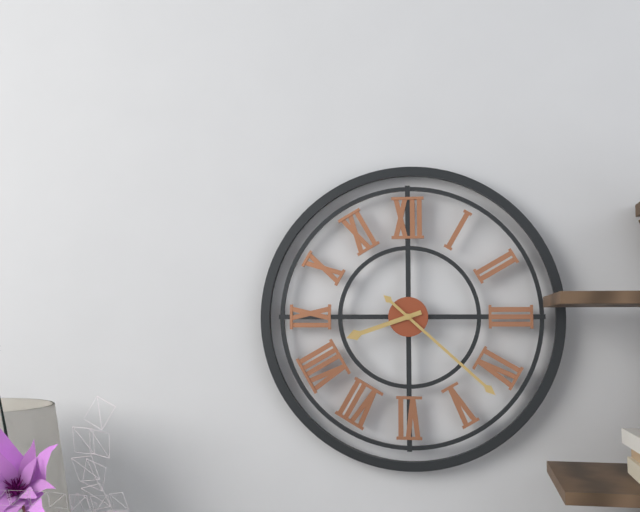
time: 8:22
